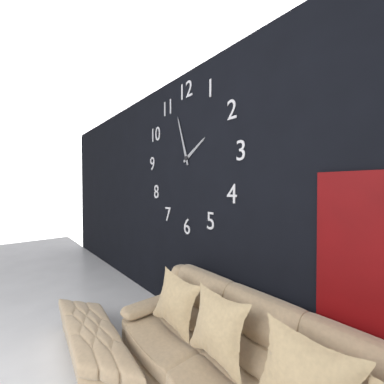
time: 1:57
